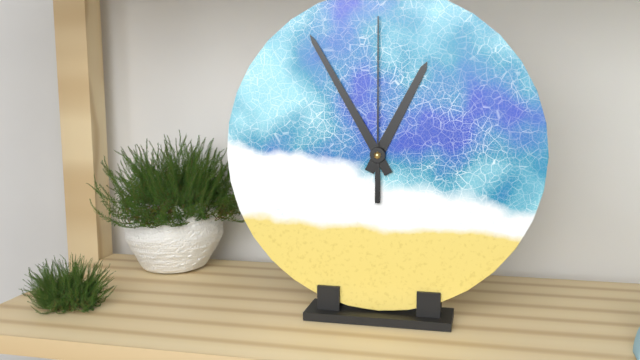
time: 12:55:00
